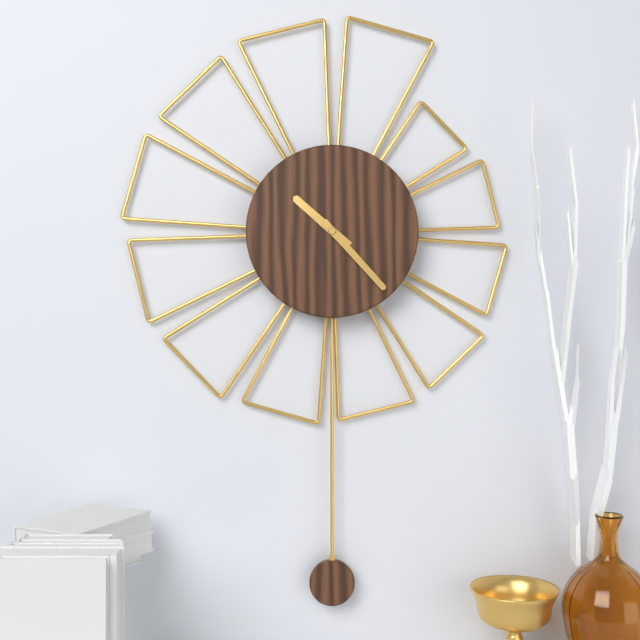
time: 10:23
